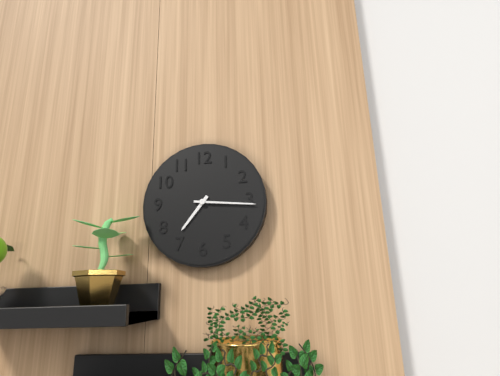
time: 7:16
